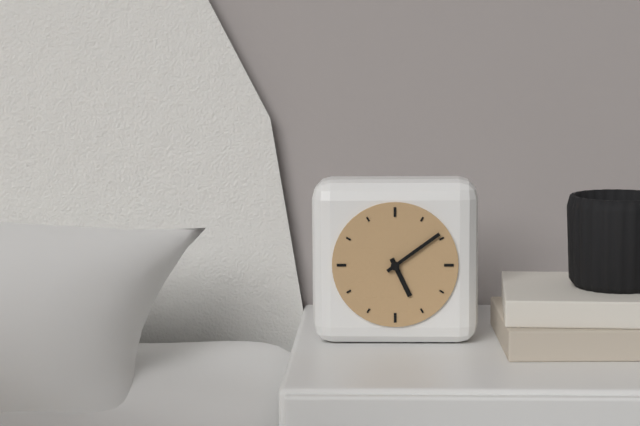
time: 5:09
